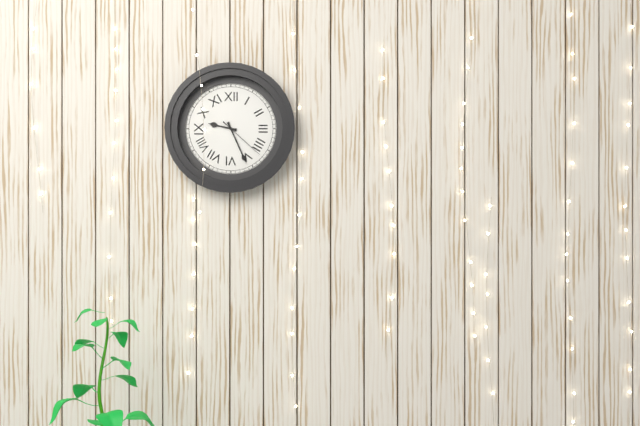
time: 9:26:22
